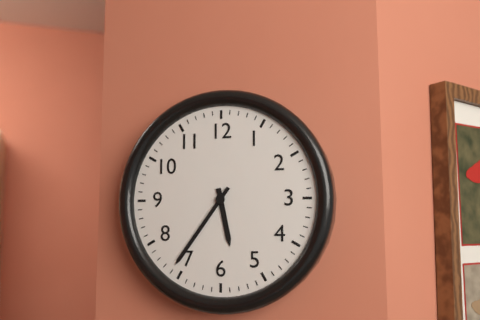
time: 5:36
